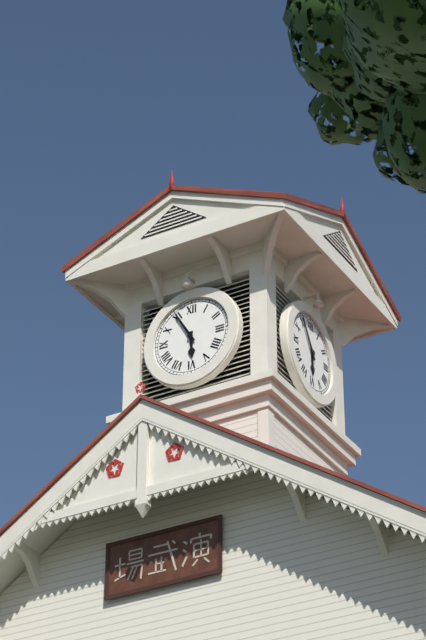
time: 5:55
